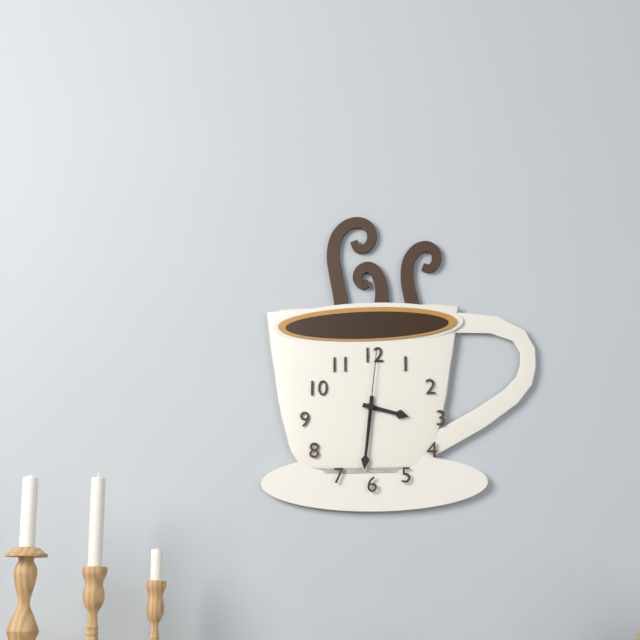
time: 3:31:01
